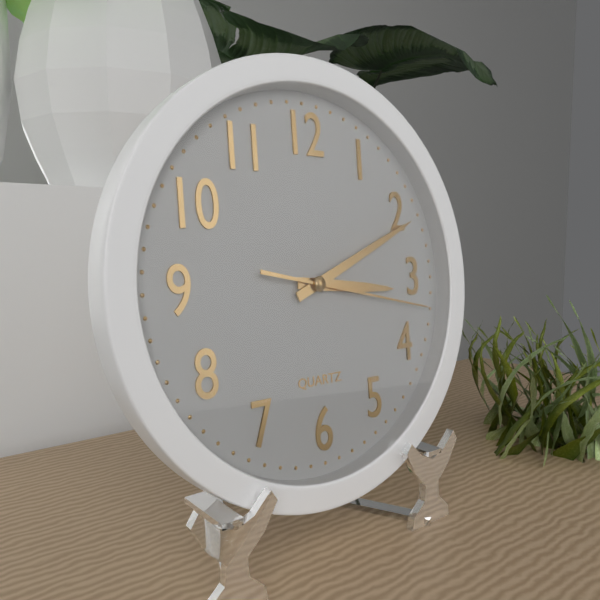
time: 3:11:17
